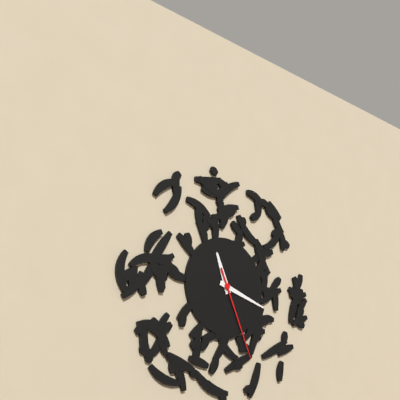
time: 11:18:26
